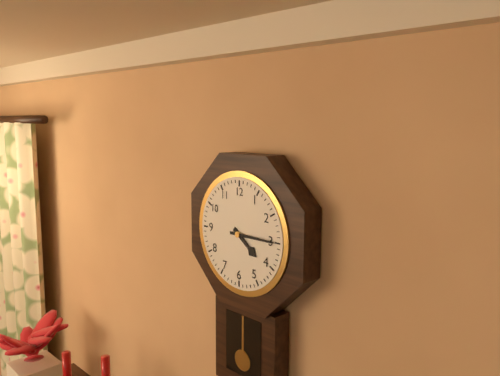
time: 4:15
